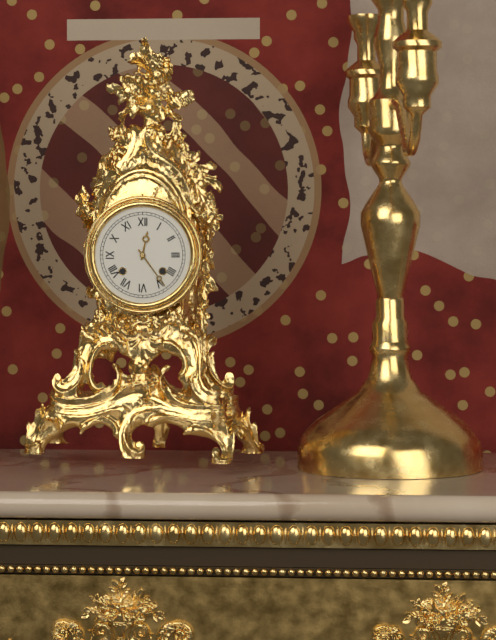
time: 12:24
